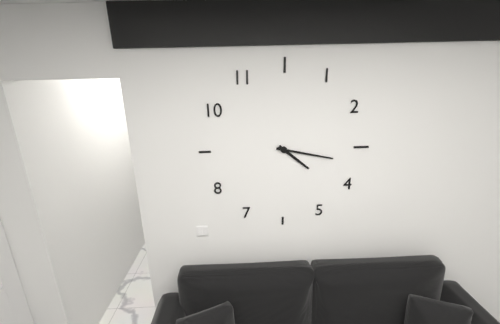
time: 4:17
